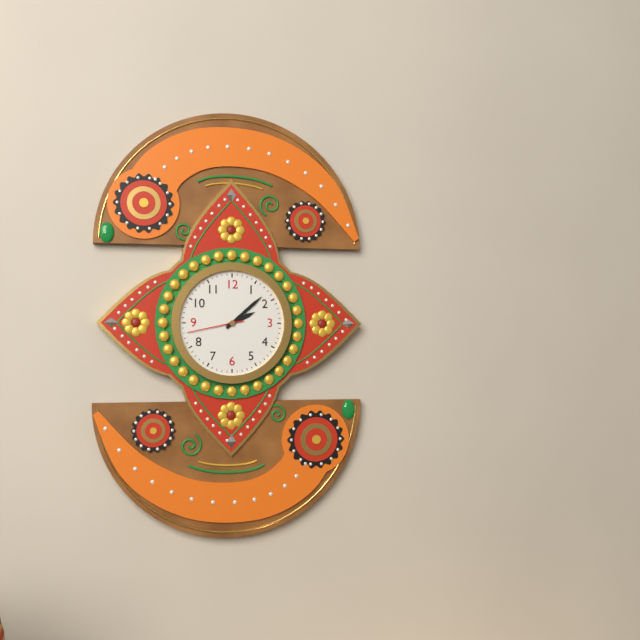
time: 2:08:43
